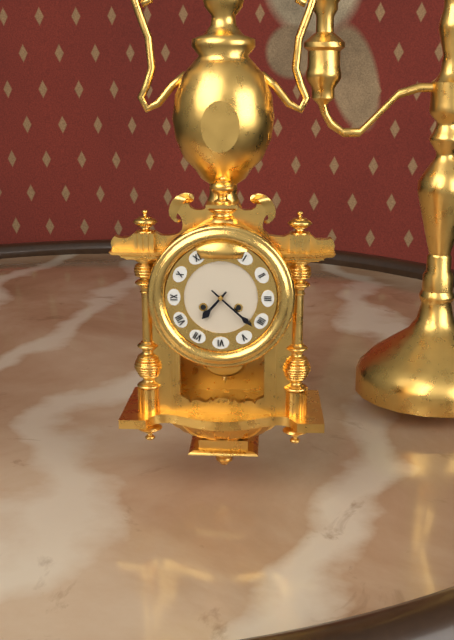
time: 7:22
